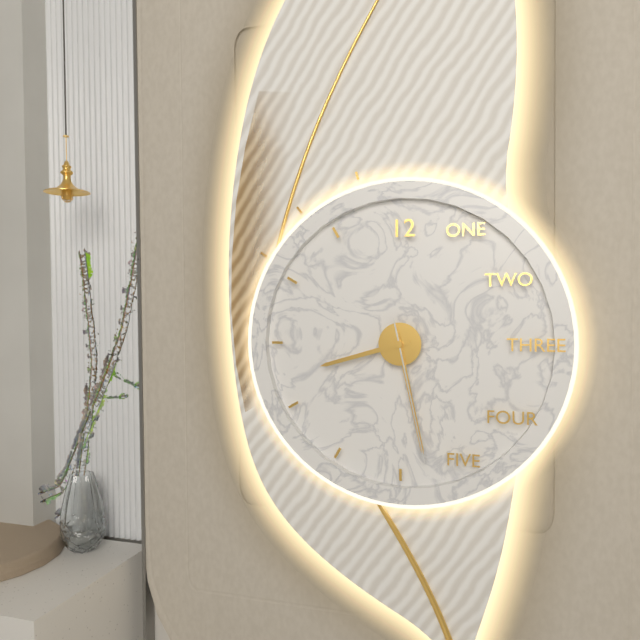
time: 8:28:28
